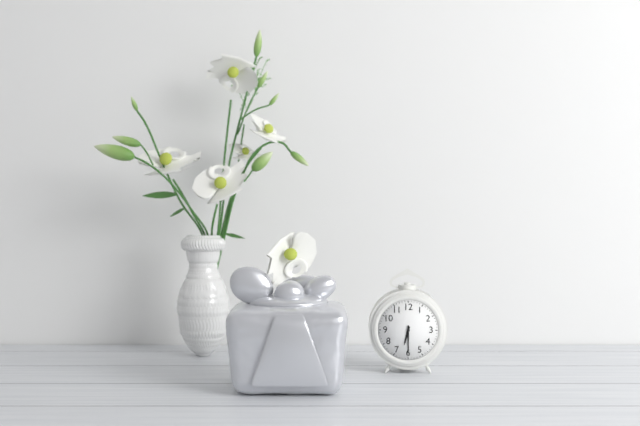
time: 6:30
